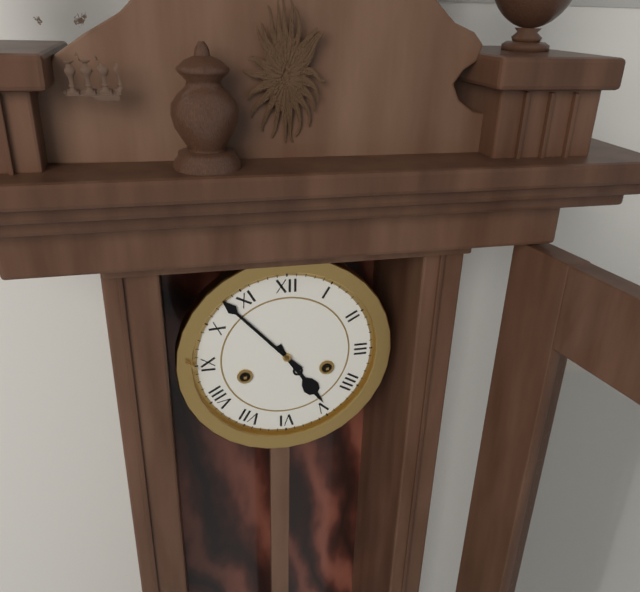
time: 4:53
